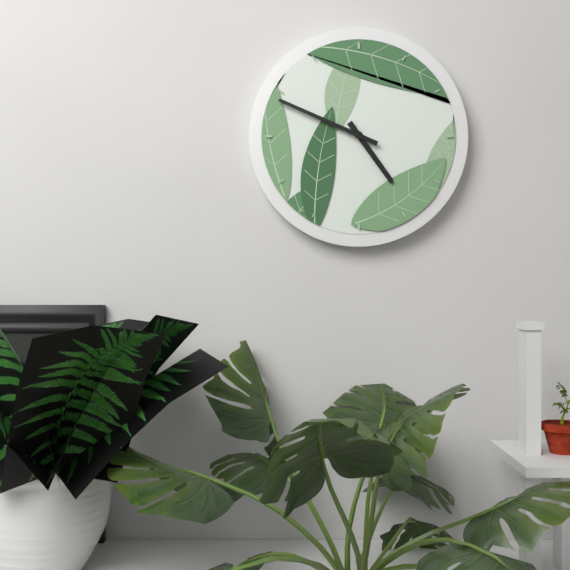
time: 4:49
